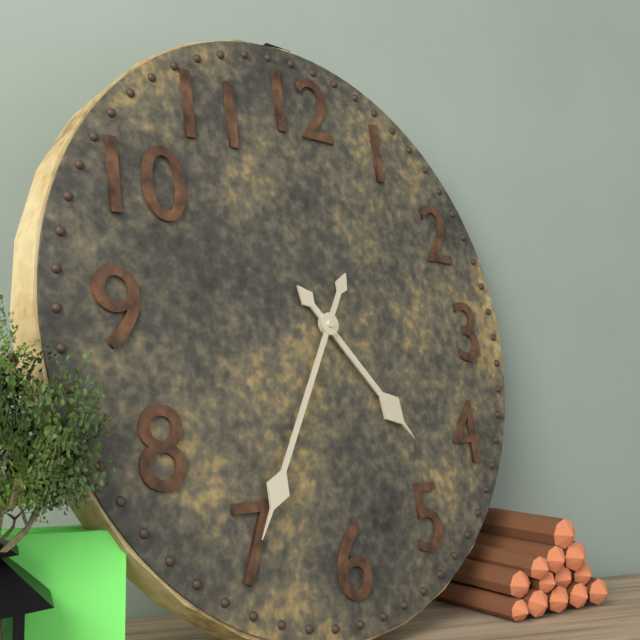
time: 4:35
